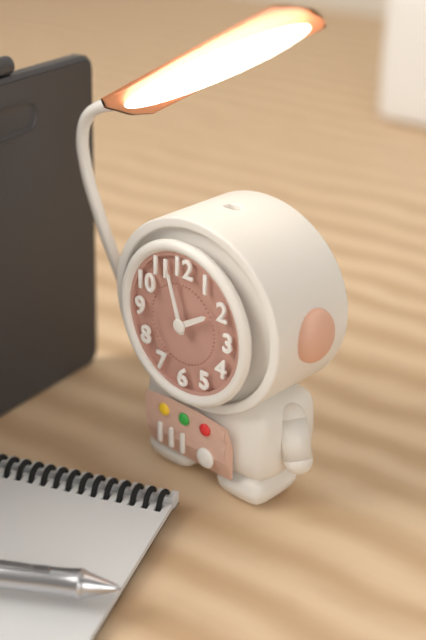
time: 1:57
